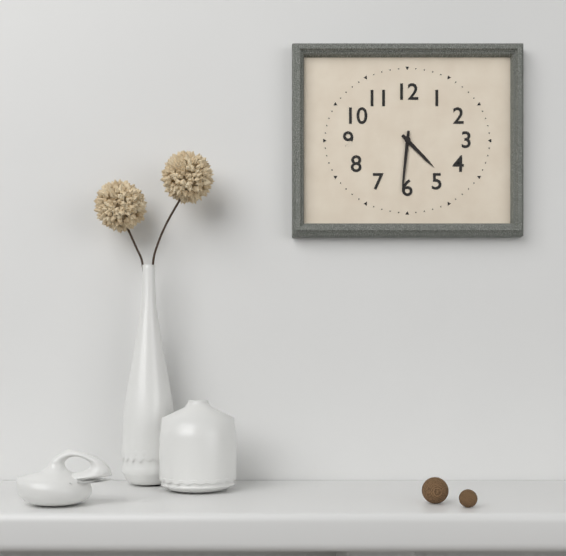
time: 4:31
